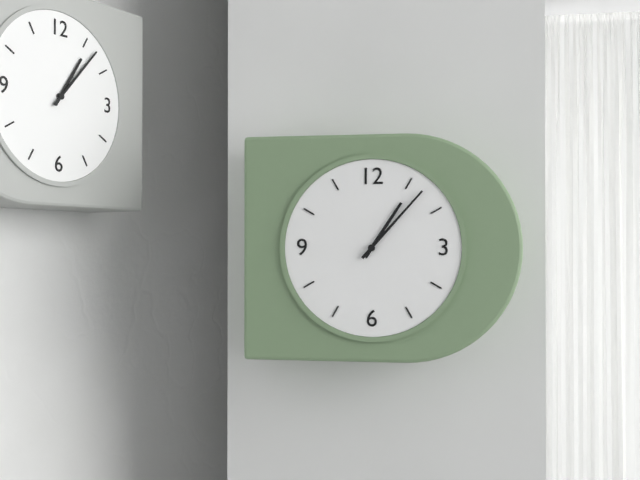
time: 1:07
